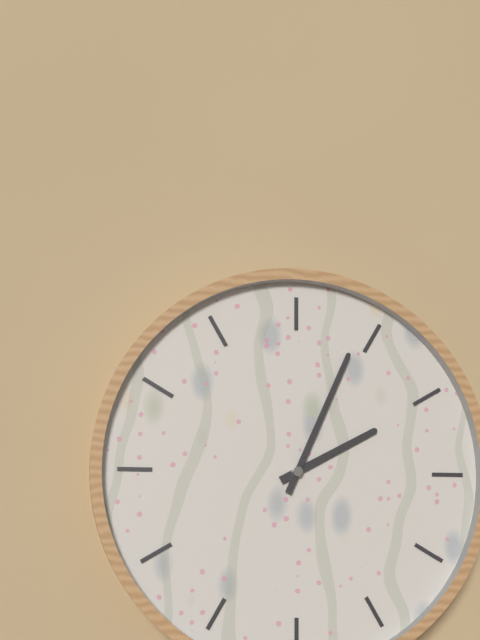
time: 2:04
